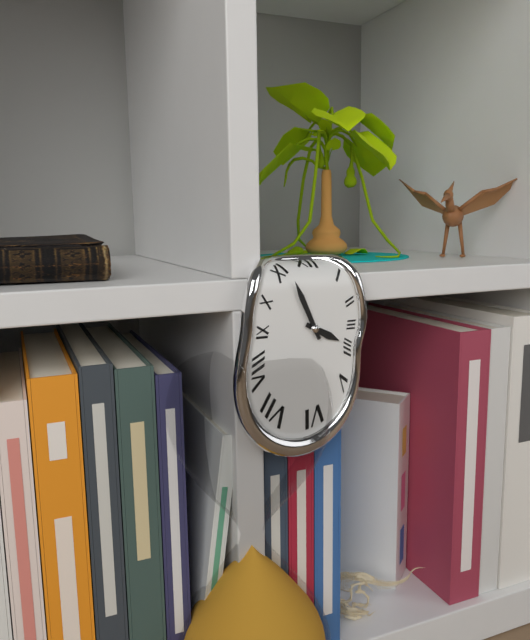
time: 3:56
